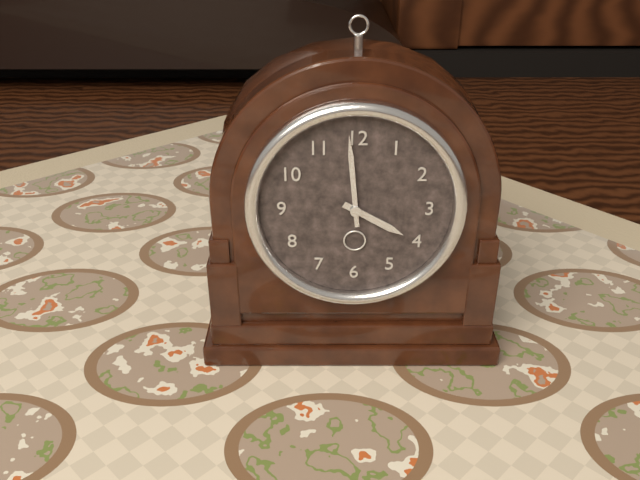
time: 3:59
